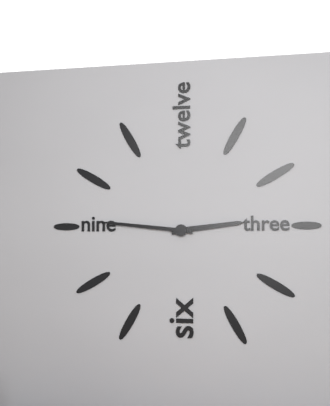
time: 2:46
